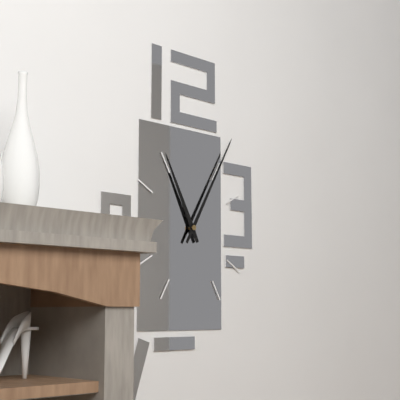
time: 11:05
